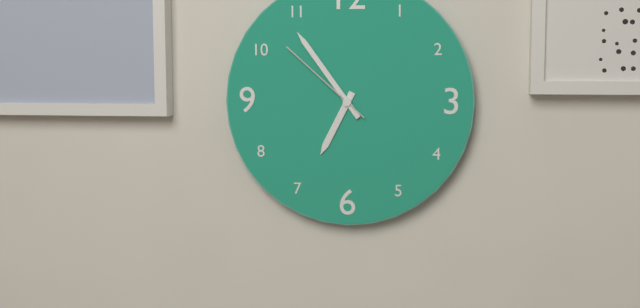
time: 6:54:52
